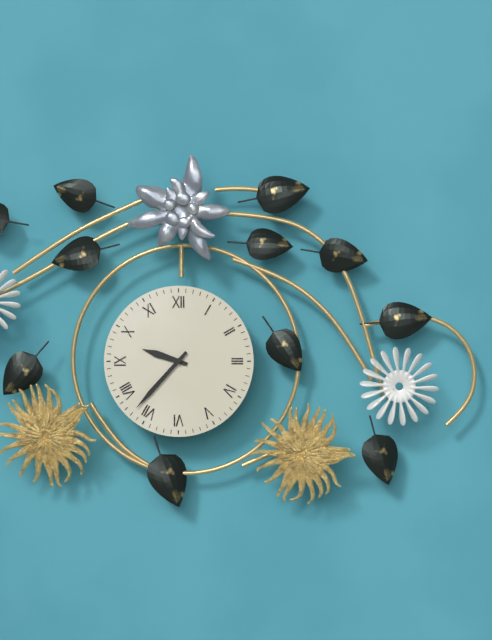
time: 9:37
